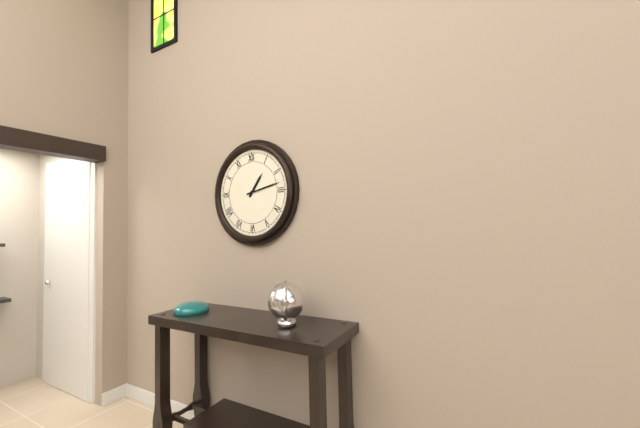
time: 1:13
